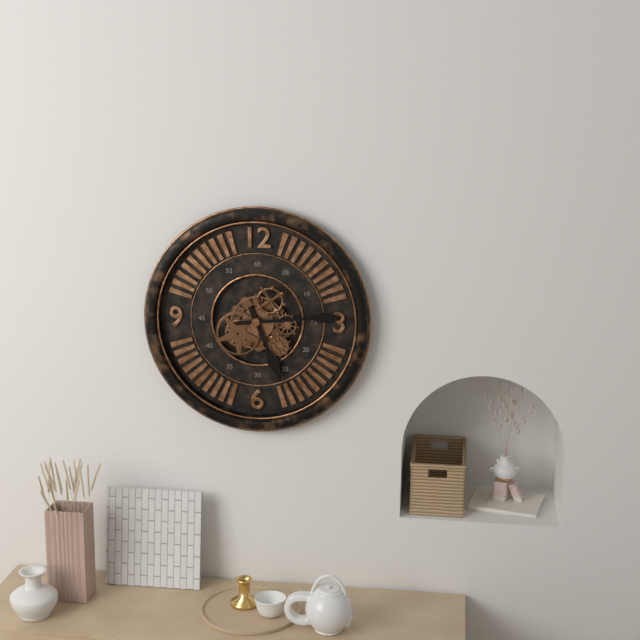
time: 5:14
